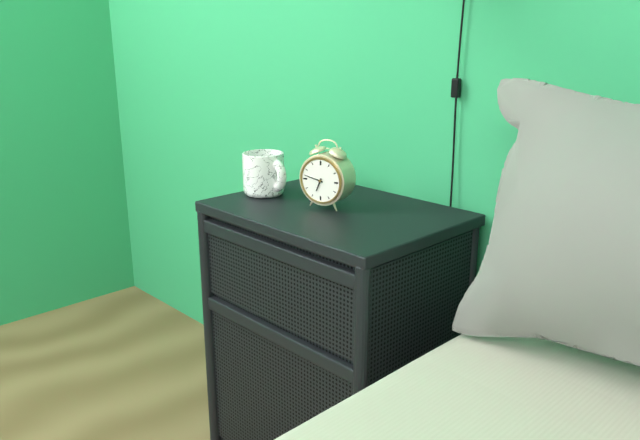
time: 6:47
